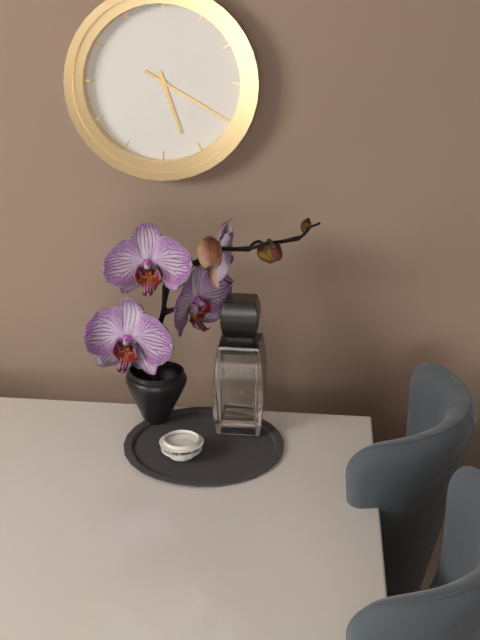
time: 5:20
